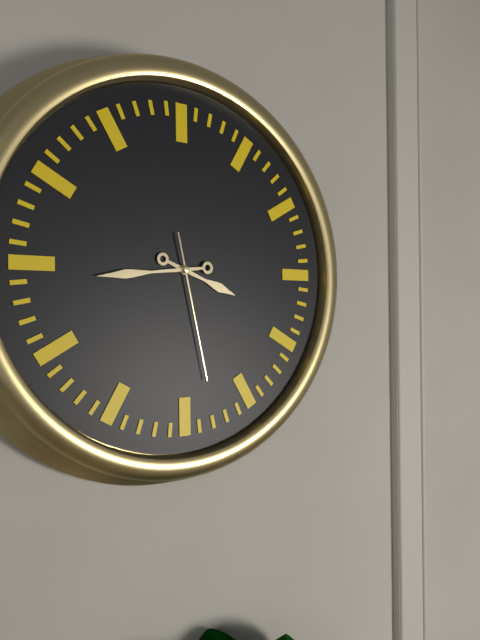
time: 3:44:28
